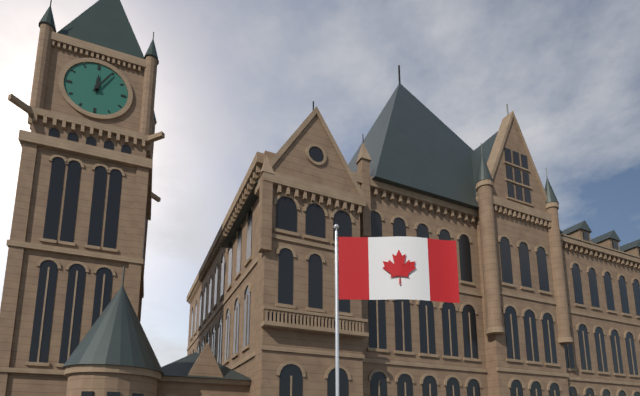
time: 12:05
